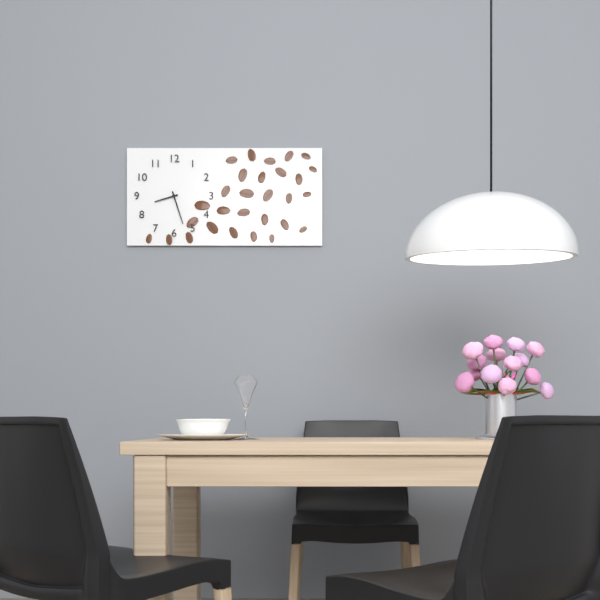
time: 8:27
